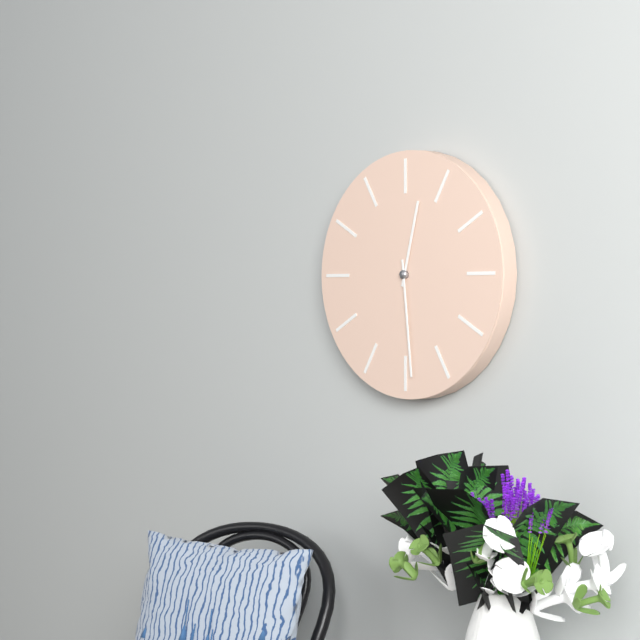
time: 12:29
